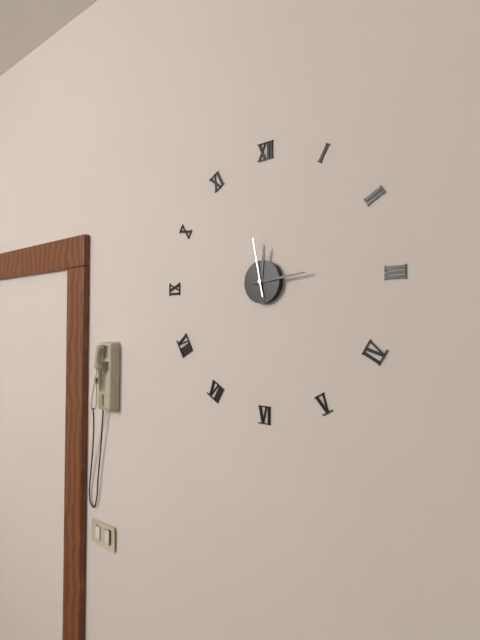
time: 12:14:58
